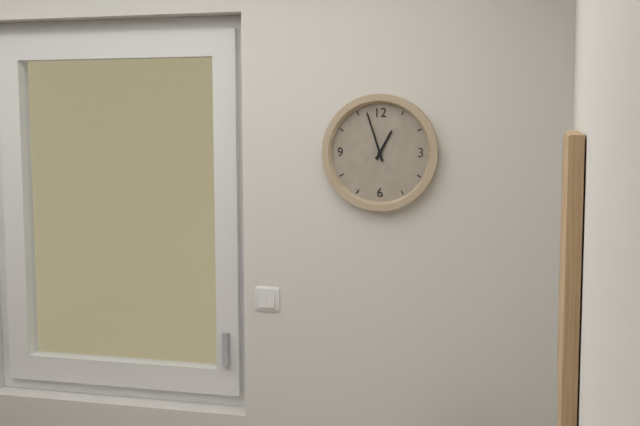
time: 12:57
